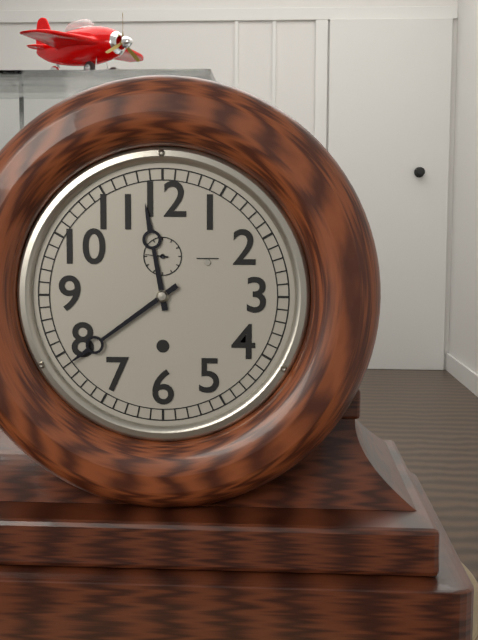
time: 11:39
